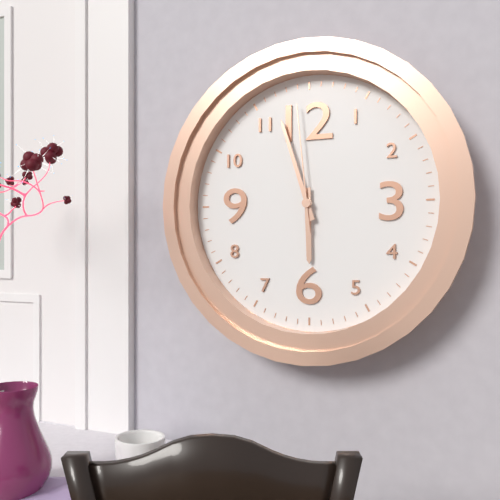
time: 5:57:59
